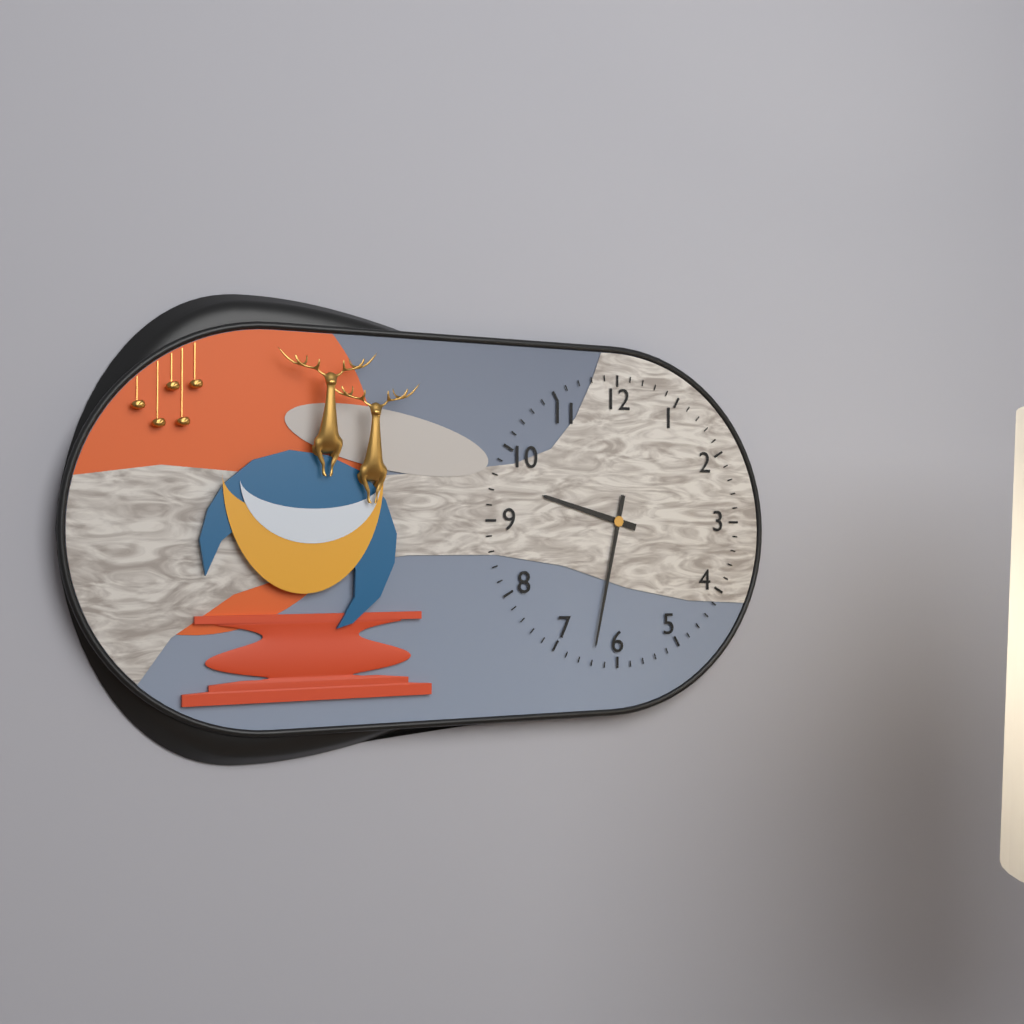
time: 9:32
